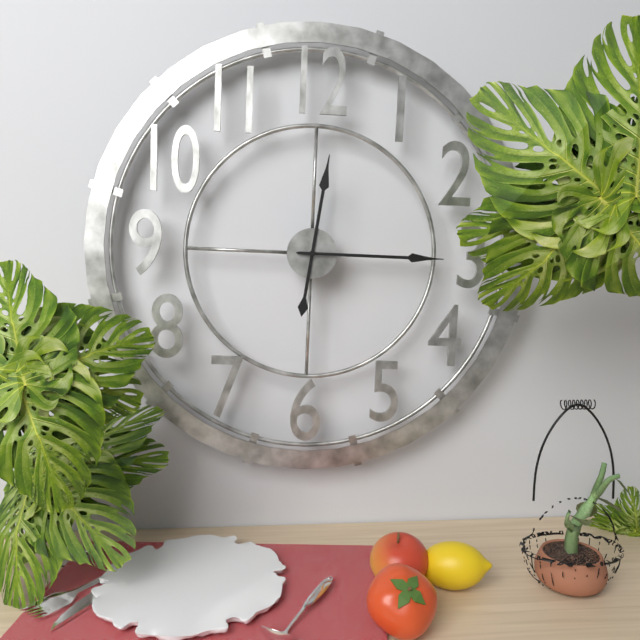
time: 12:15
